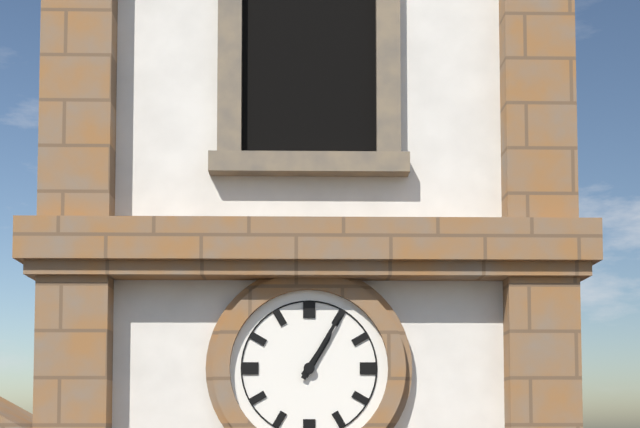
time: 1:05
